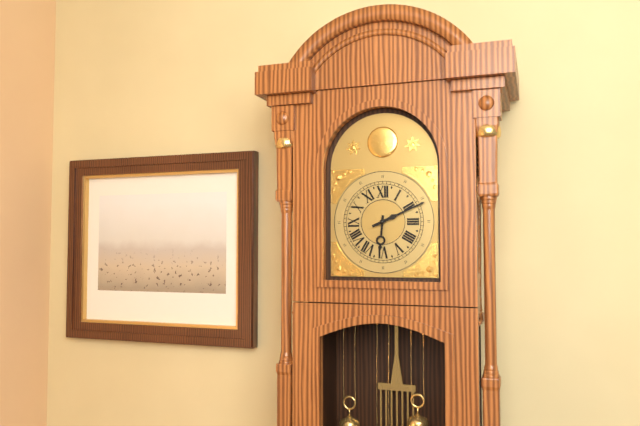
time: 6:11
